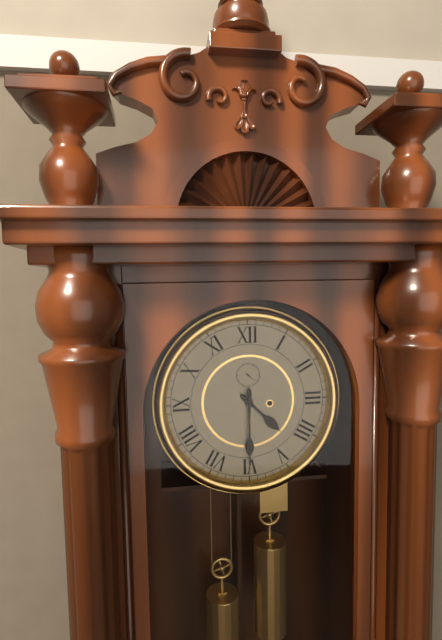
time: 4:30
